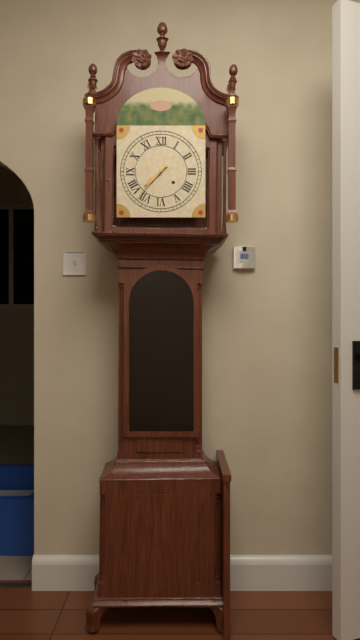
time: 7:37
